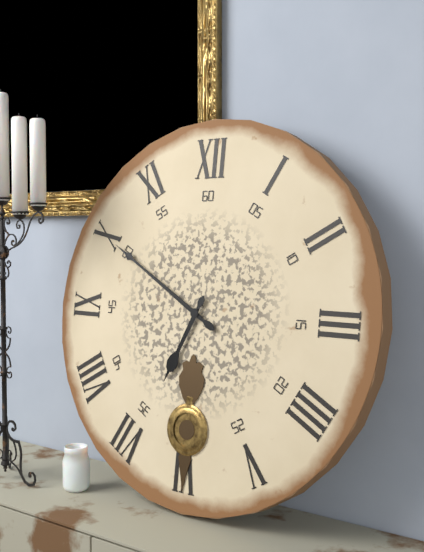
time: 6:50
